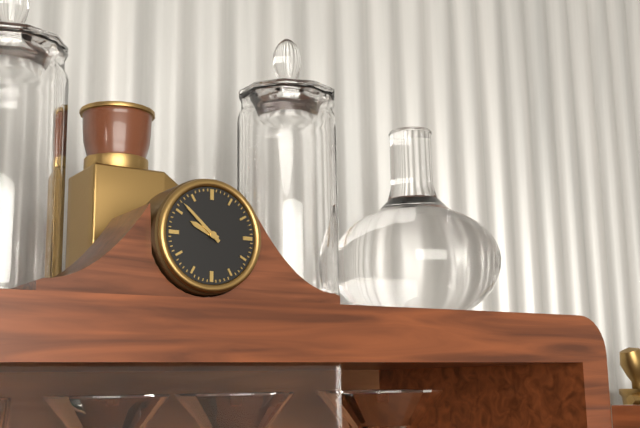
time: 9:52
